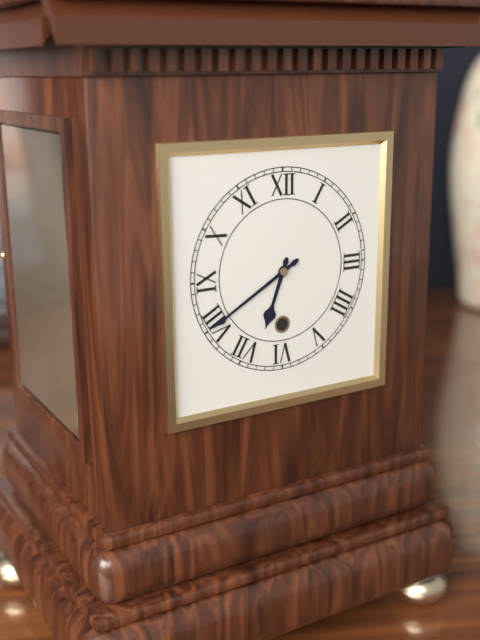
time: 6:40
